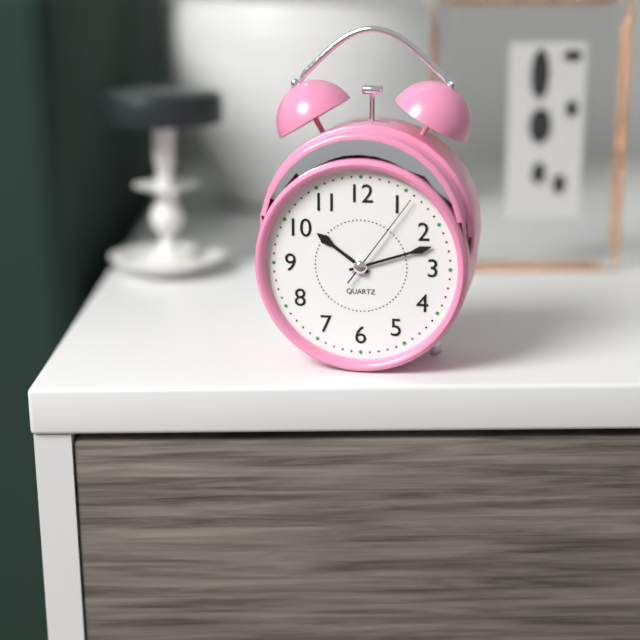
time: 10:12:06
